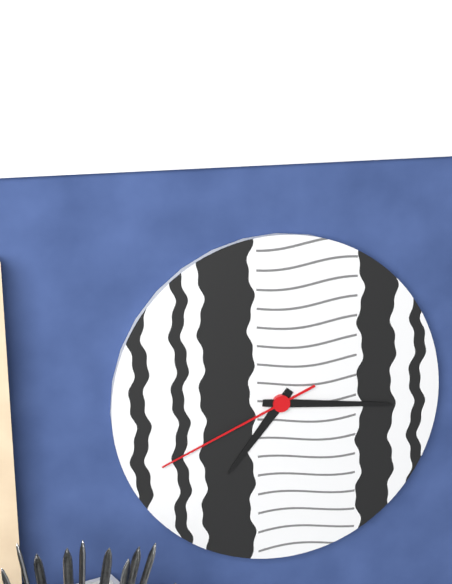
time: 7:16:41
